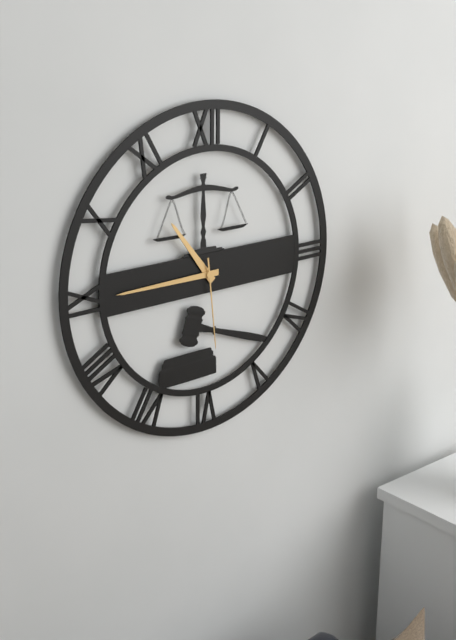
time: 10:45:29
